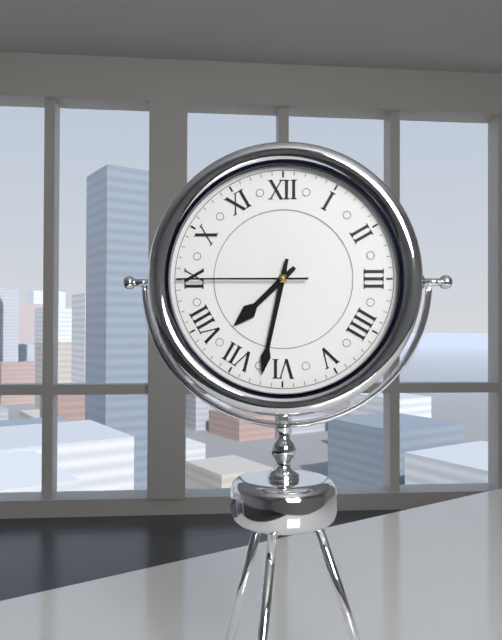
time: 7:32:45
